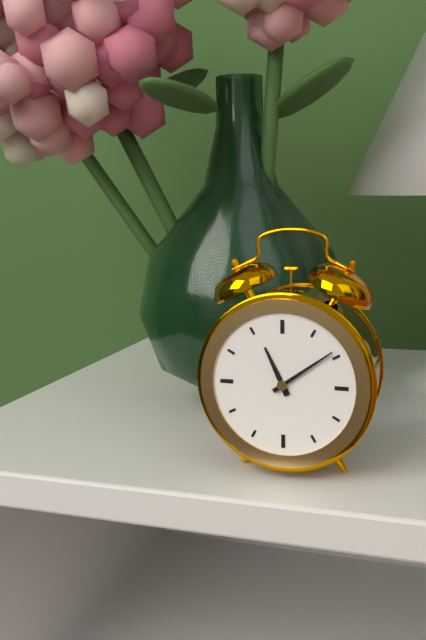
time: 11:09
